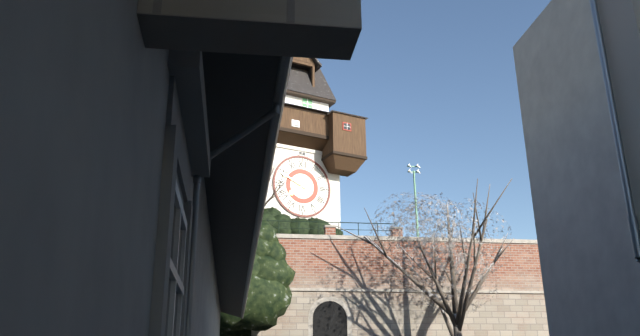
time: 7:49
